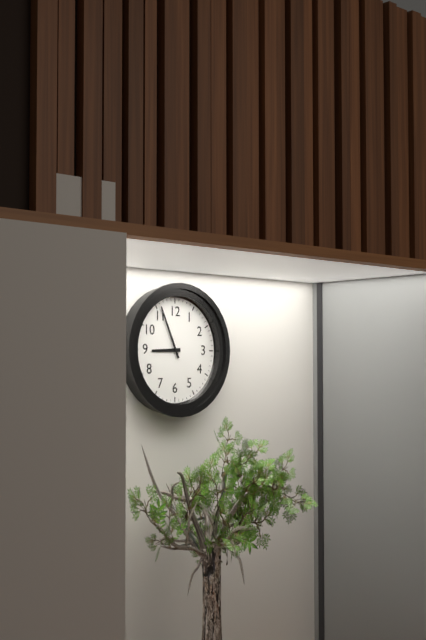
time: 8:56
